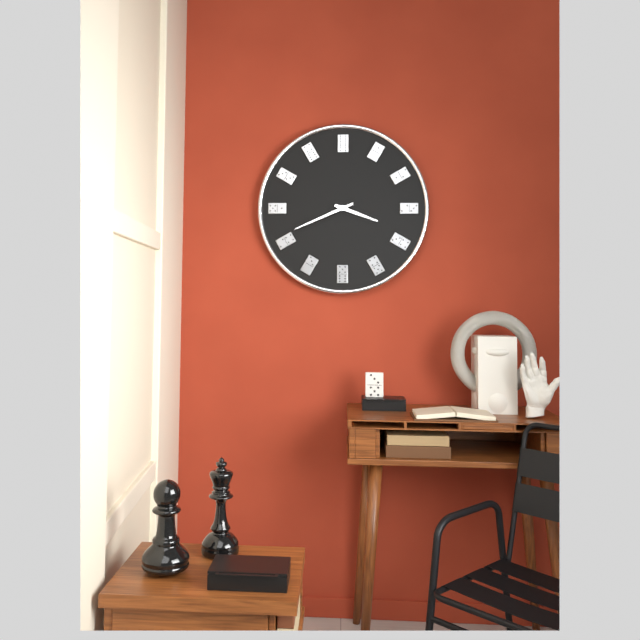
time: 3:41
